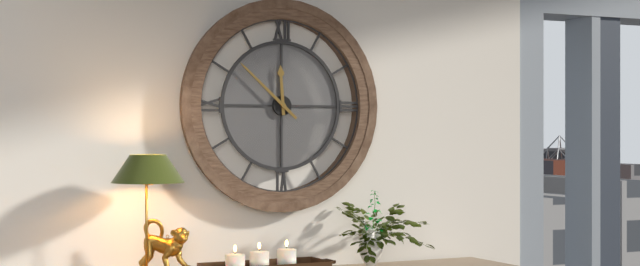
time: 11:52
